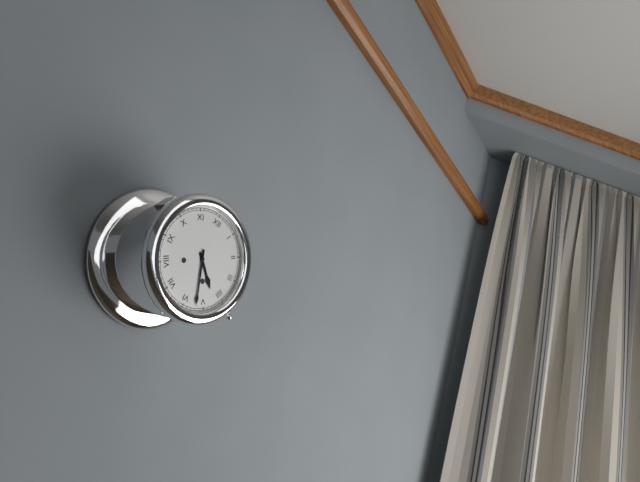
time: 4:27
